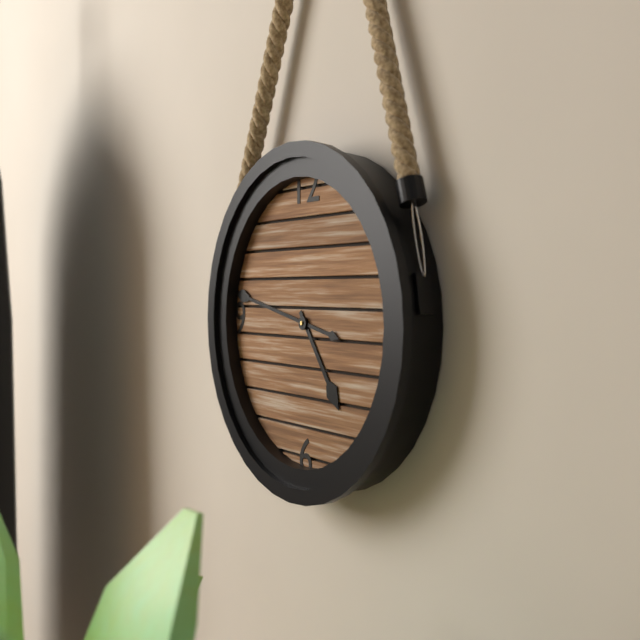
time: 4:47
